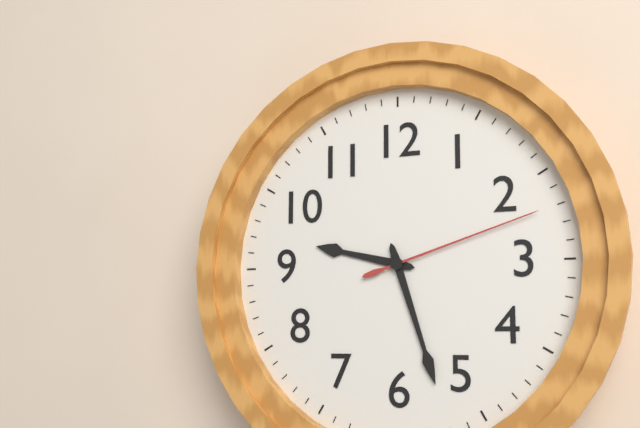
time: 9:27:12
